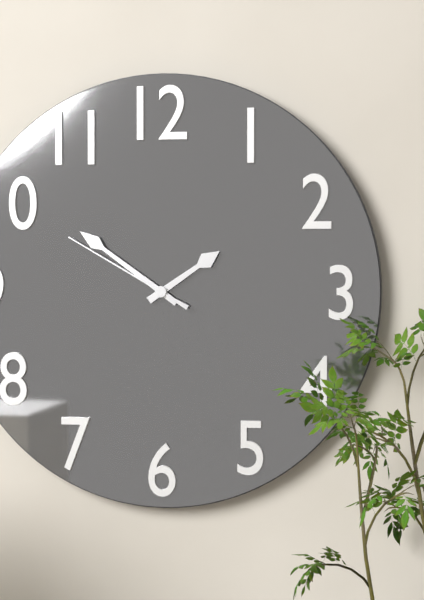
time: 1:51:50
